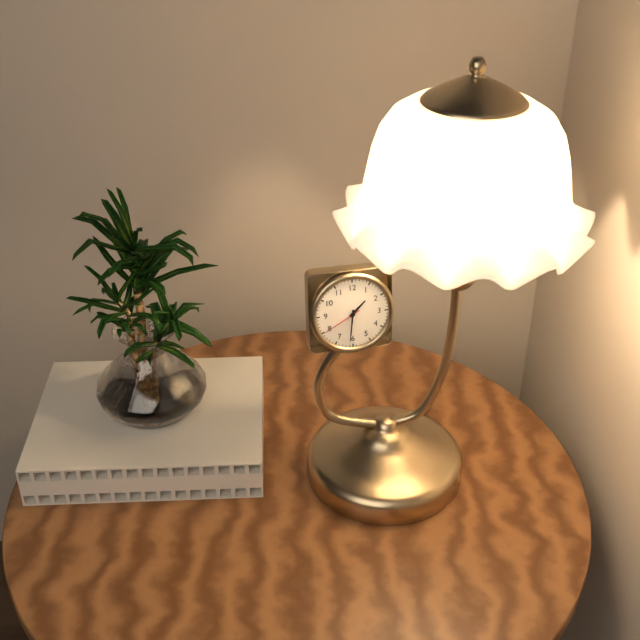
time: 1:31
